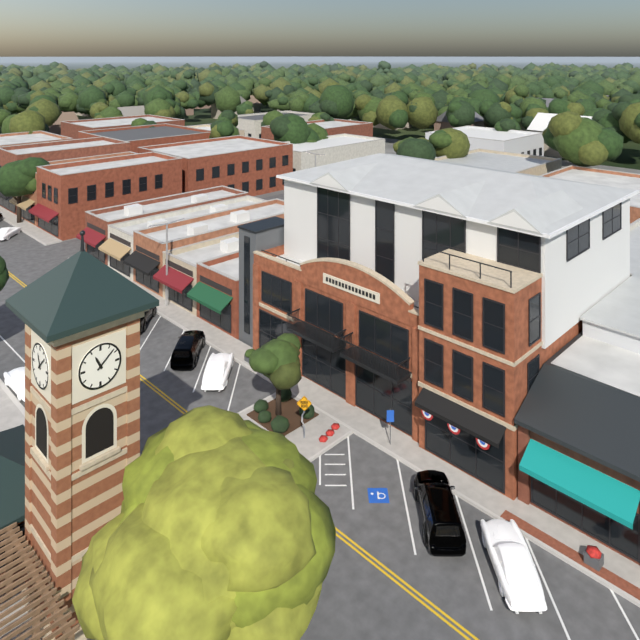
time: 11:08
